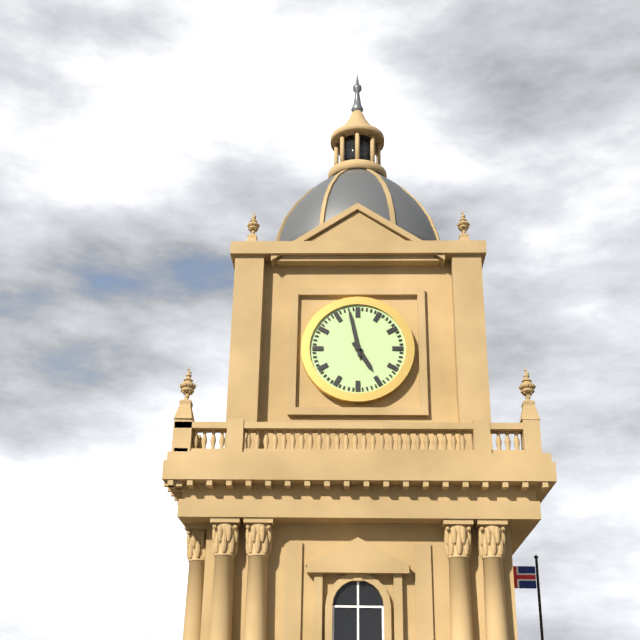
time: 4:58
